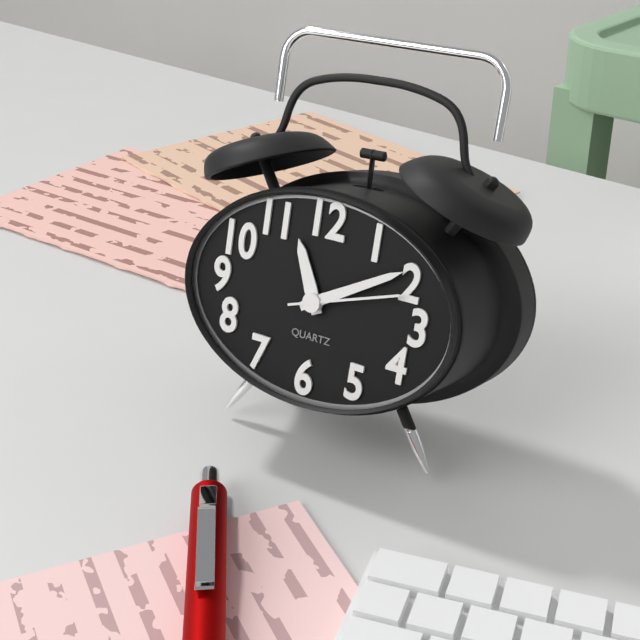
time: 11:10:12
